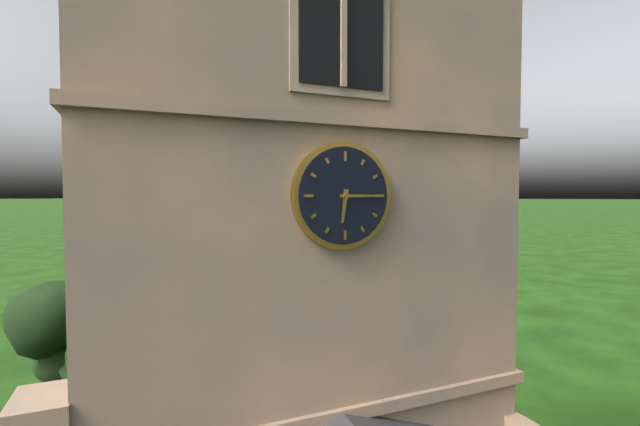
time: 6:15
